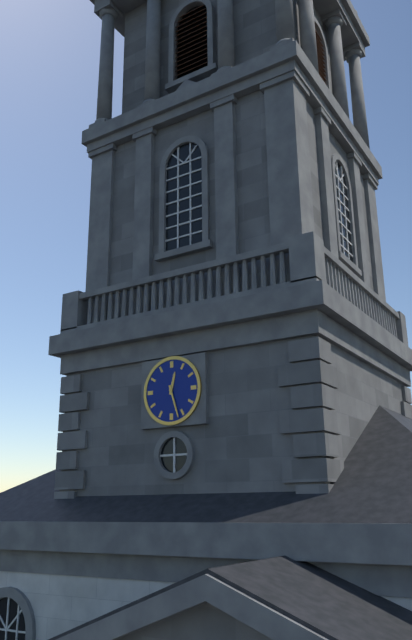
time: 12:27
